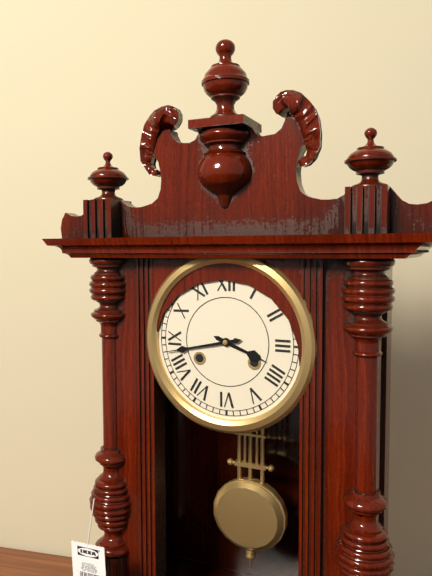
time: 3:43
